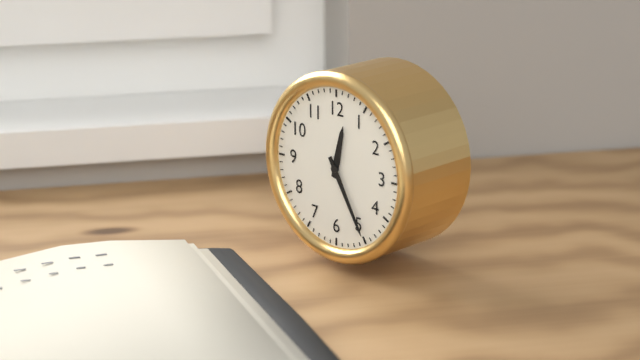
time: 12:25
